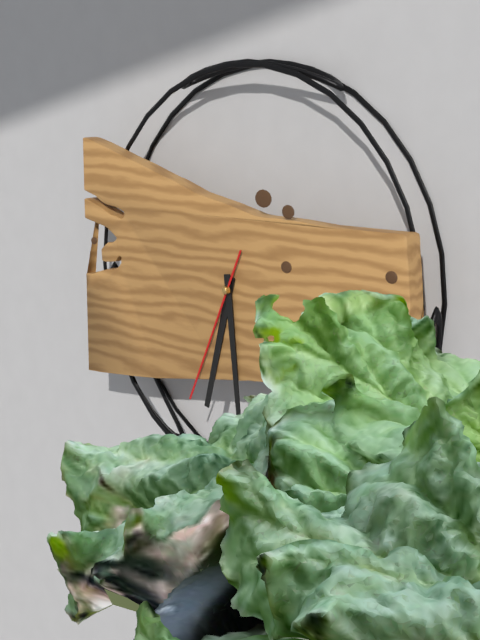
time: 6:29:34
